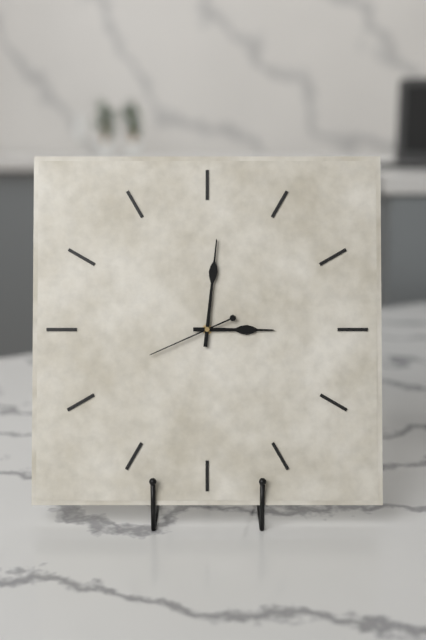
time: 3:01:41
